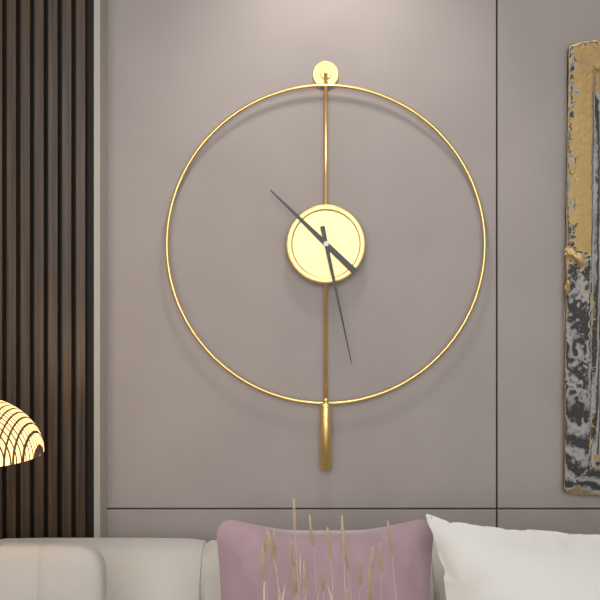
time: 10:28
